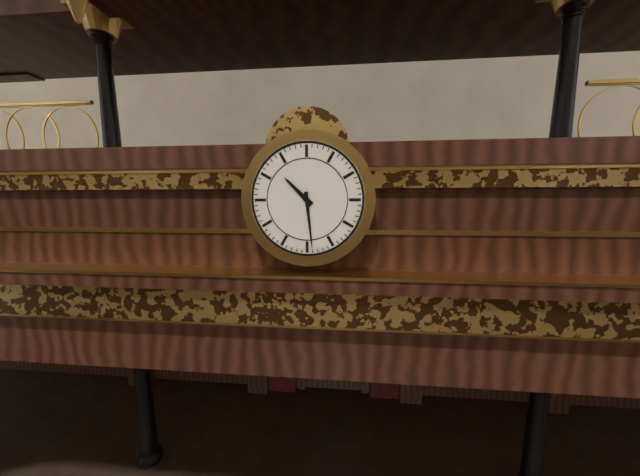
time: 10:29
